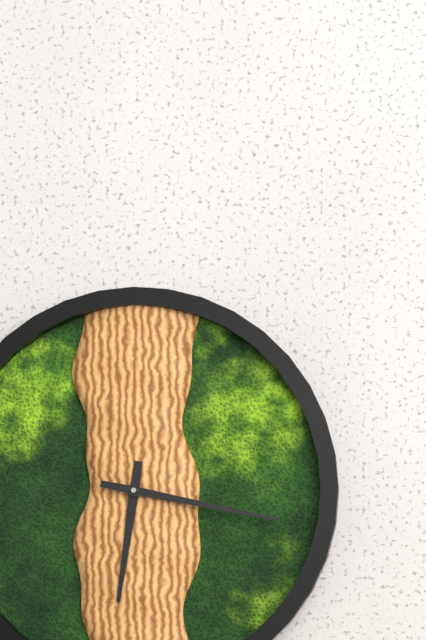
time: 6:17
